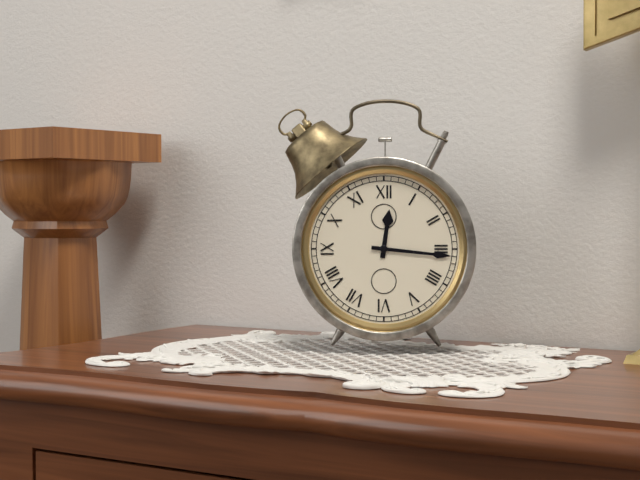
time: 12:16
